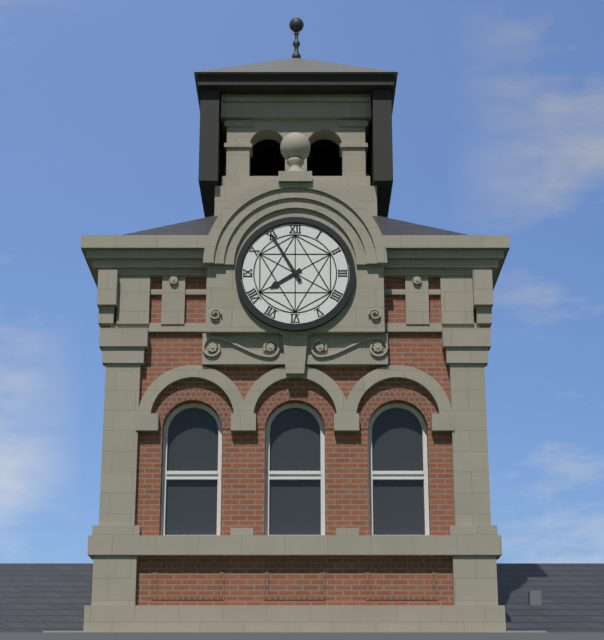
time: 7:55
